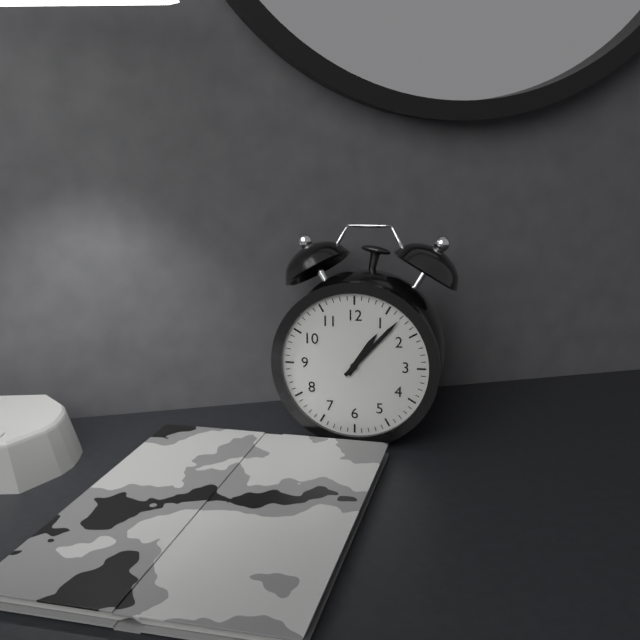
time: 1:07
